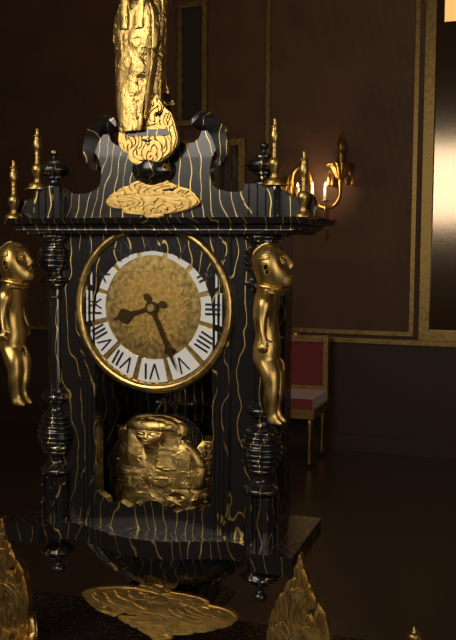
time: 8:26
